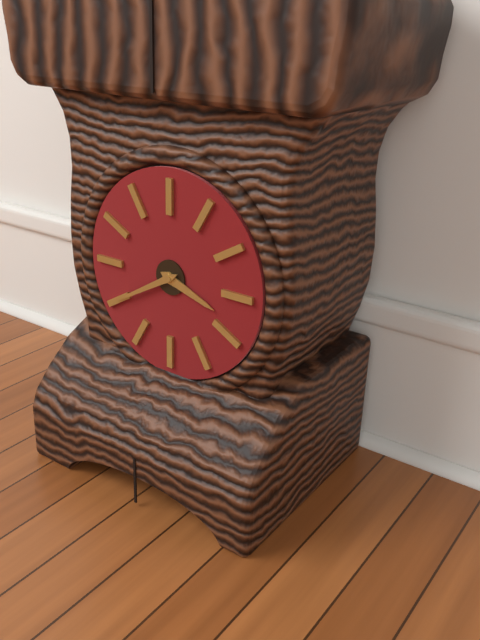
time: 3:40
